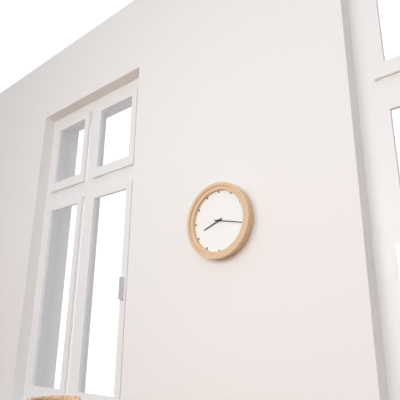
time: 8:17
